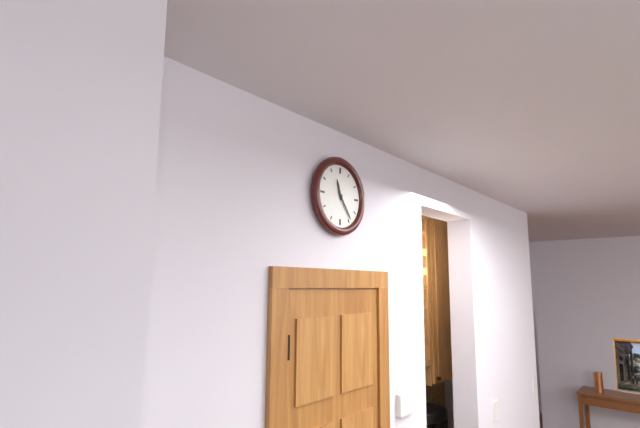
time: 11:24
